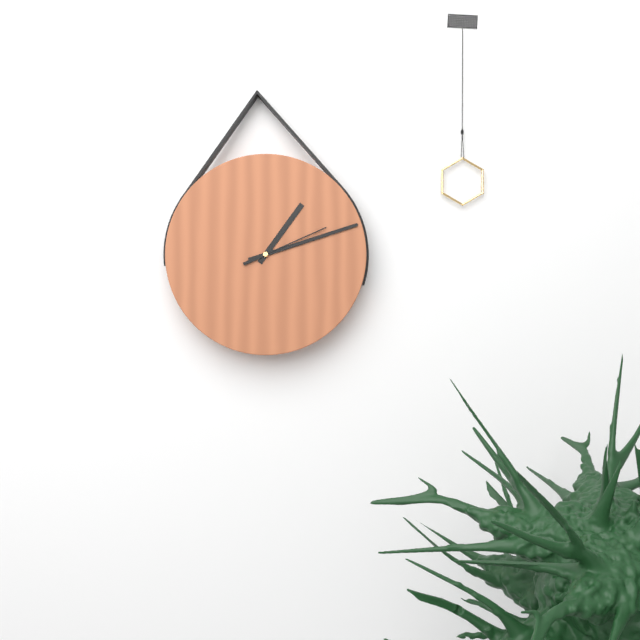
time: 1:12:11
